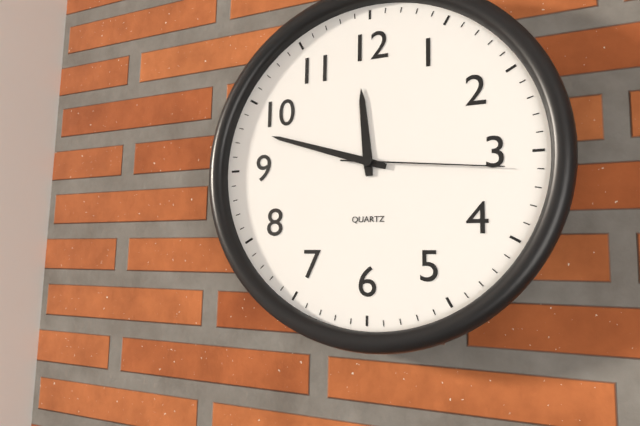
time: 11:48:16
